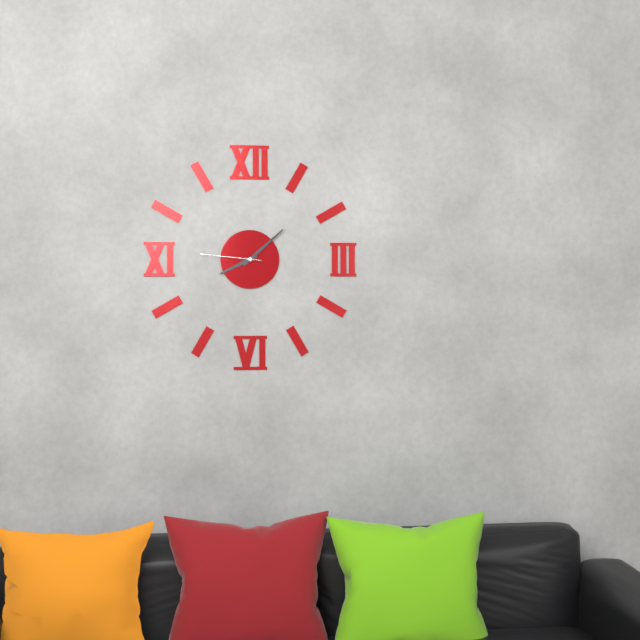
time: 8:08:46
